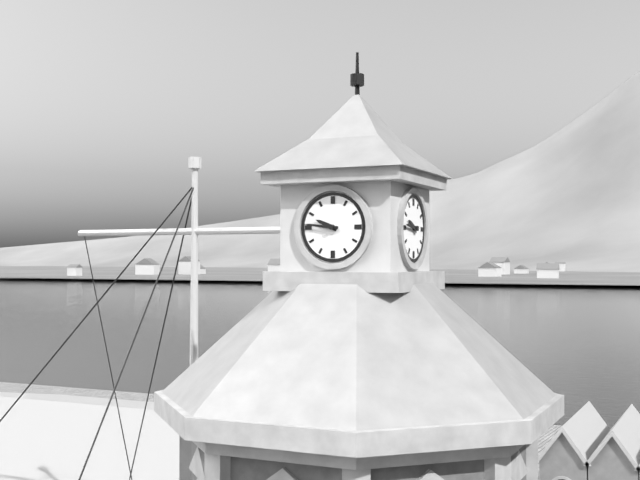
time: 9:46
